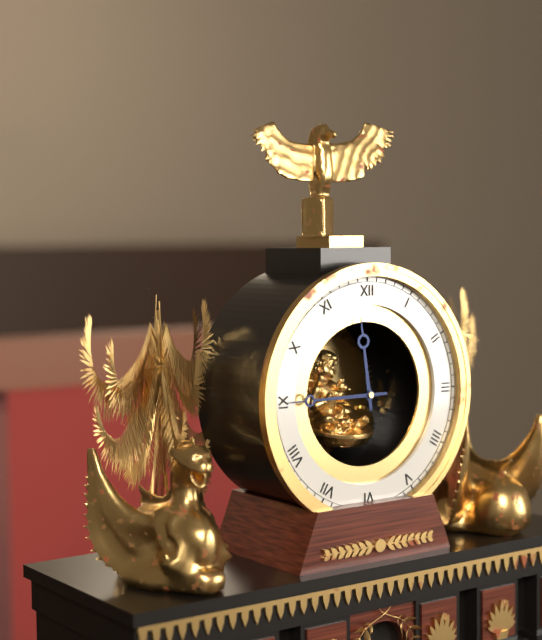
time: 11:45
